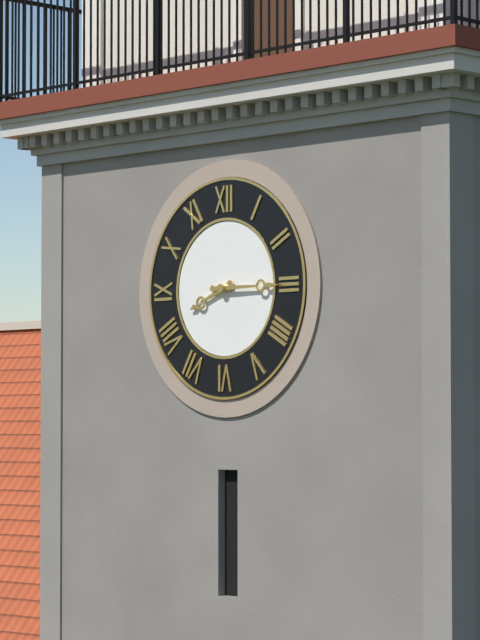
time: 8:15
